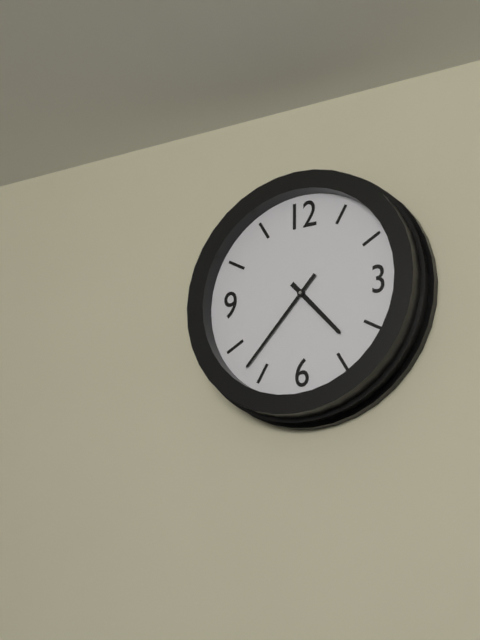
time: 4:37
